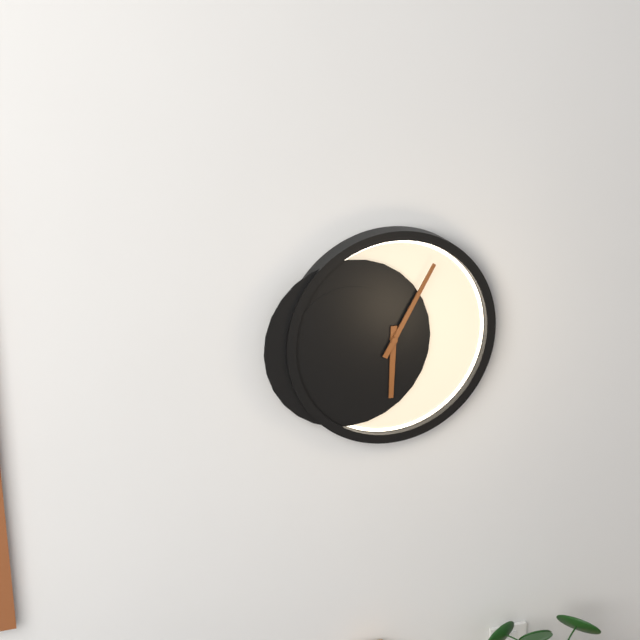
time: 6:05
